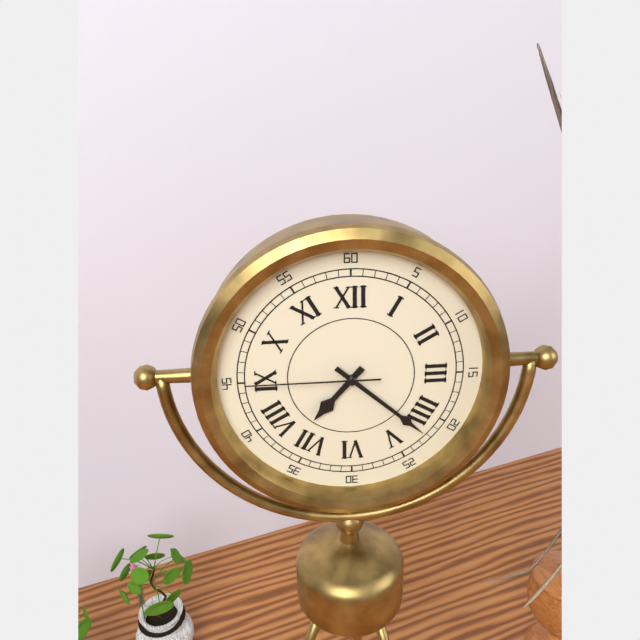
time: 7:22:45
